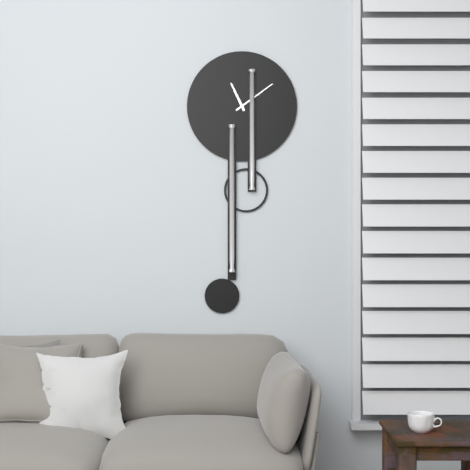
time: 11:09
